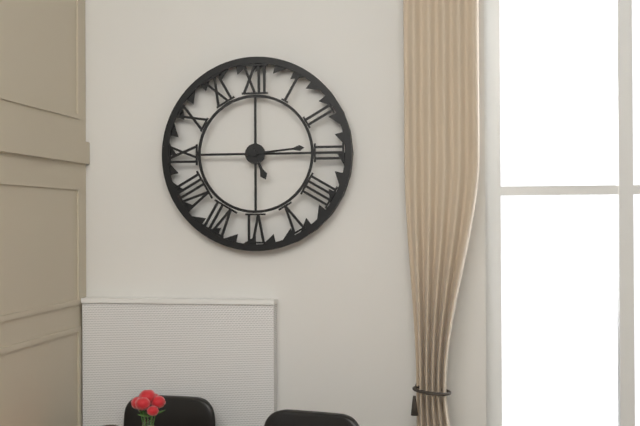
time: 5:14
